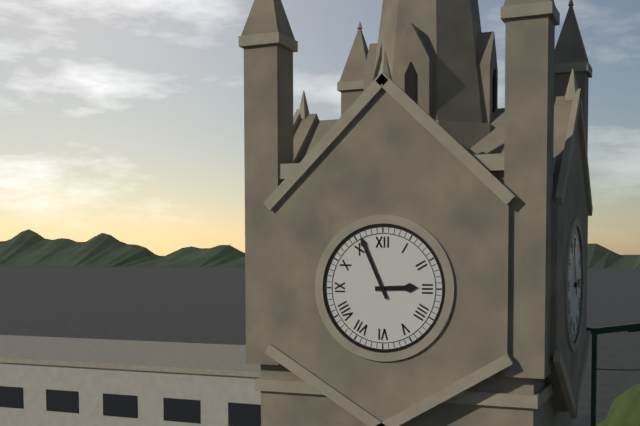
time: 2:56
